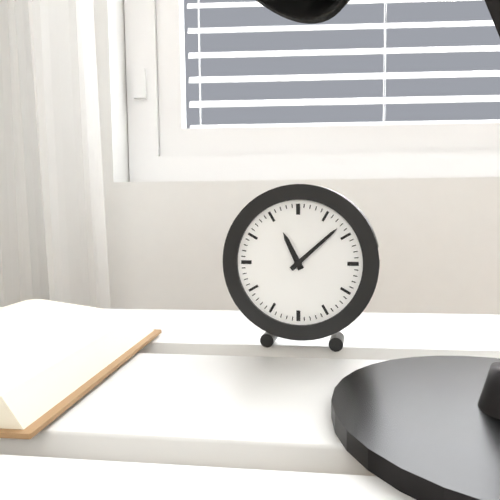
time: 11:08
